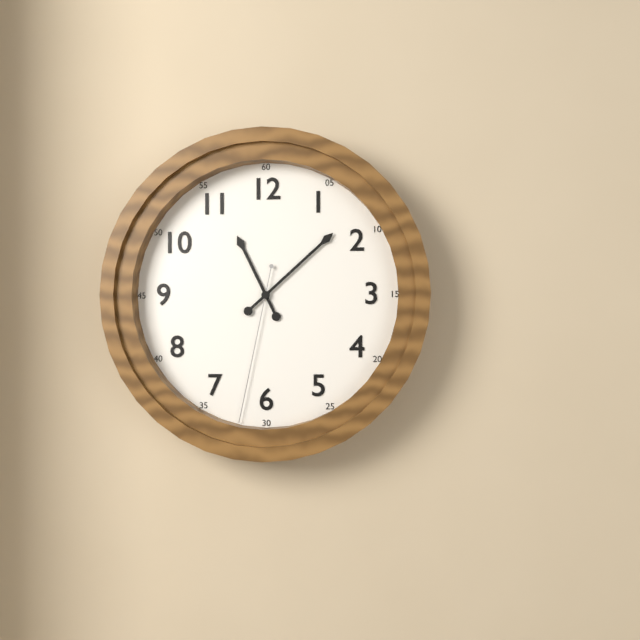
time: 11:08:32
